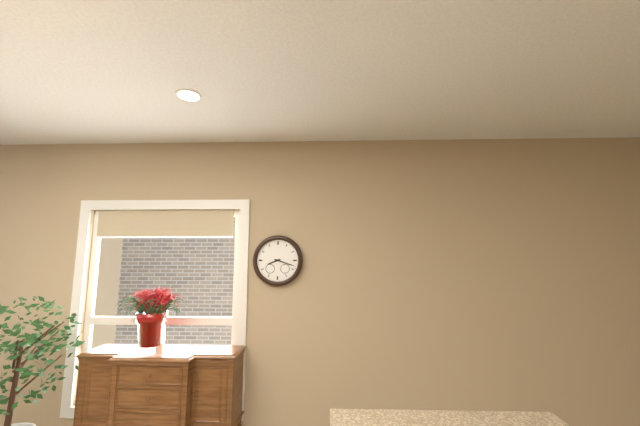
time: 8:18
